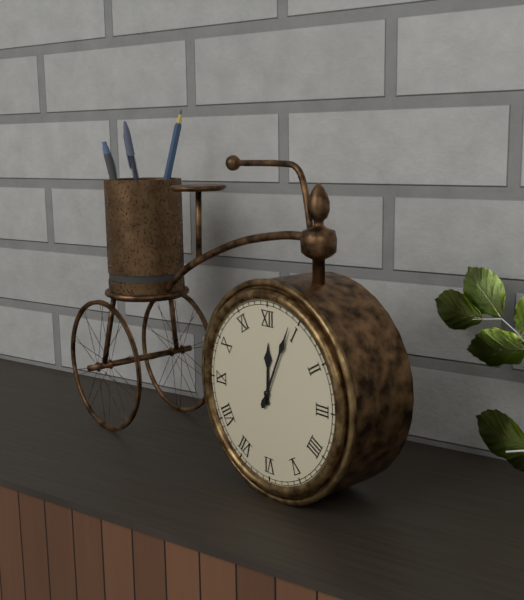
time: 12:04
